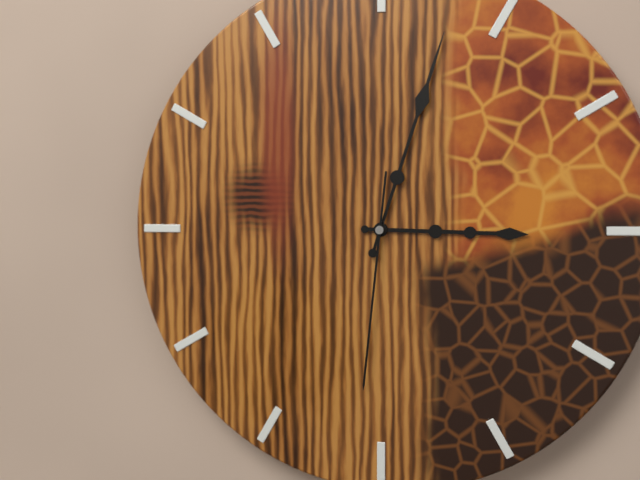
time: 3:03:31
